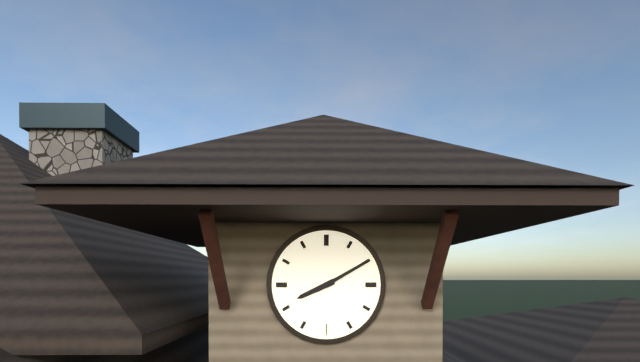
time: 8:10
